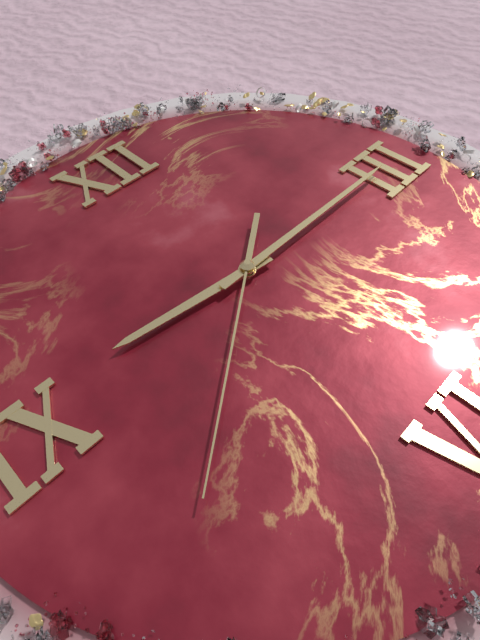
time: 9:15:39
